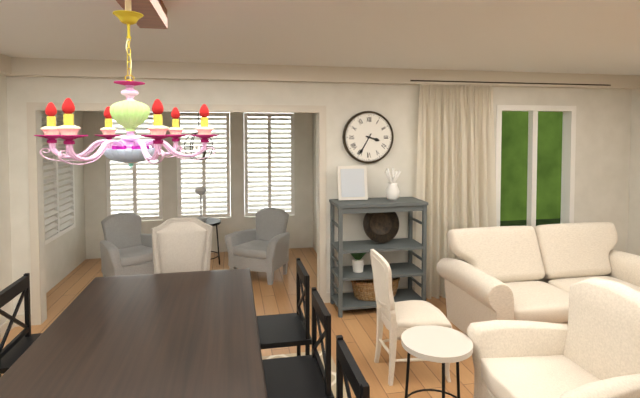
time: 3:35
